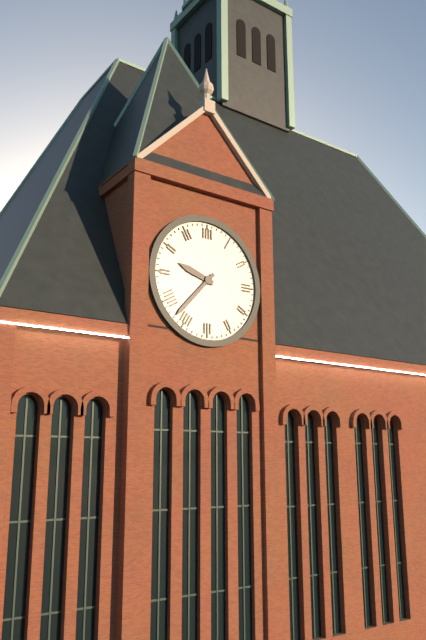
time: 9:37
